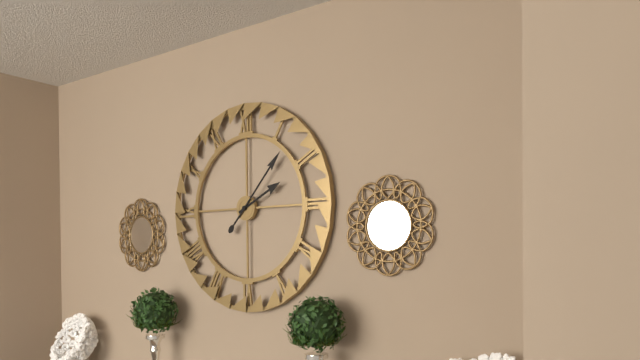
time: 2:07
